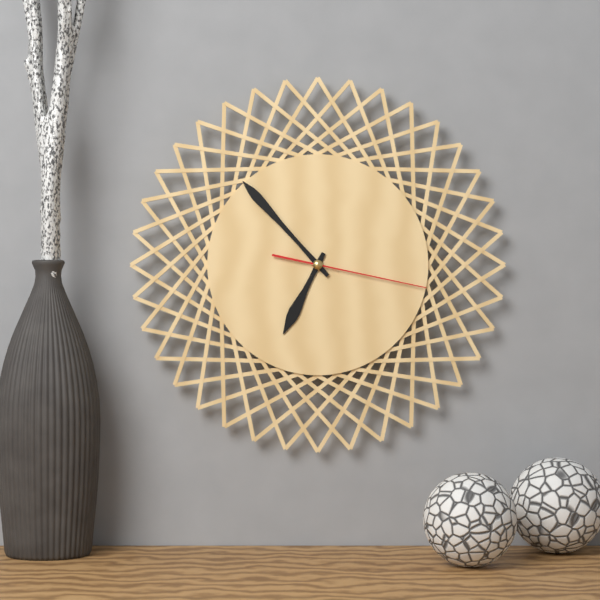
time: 6:53:17
